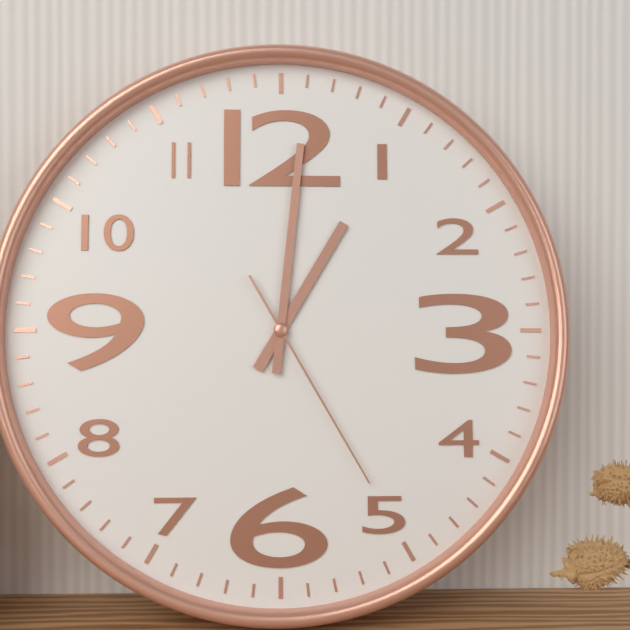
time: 1:01:25
